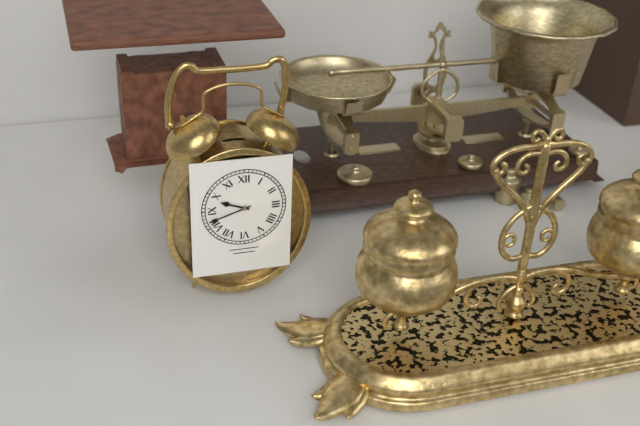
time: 9:42
